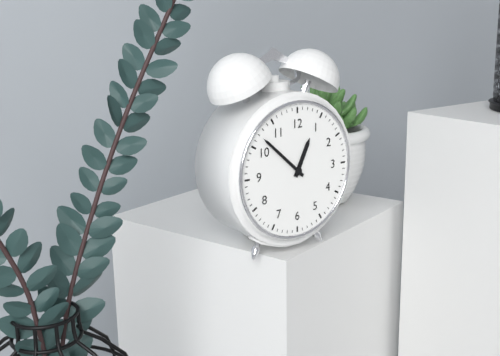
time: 12:52
